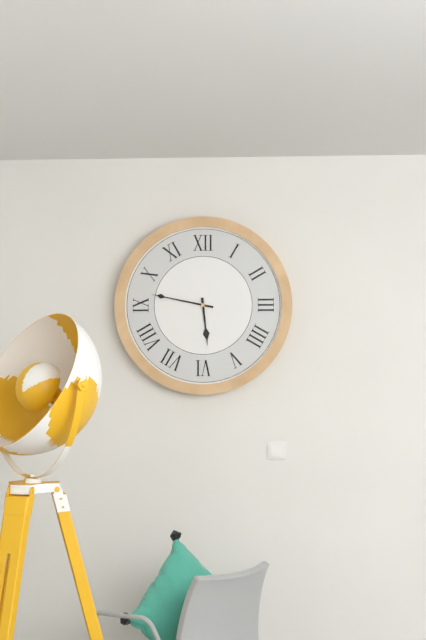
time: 5:47
